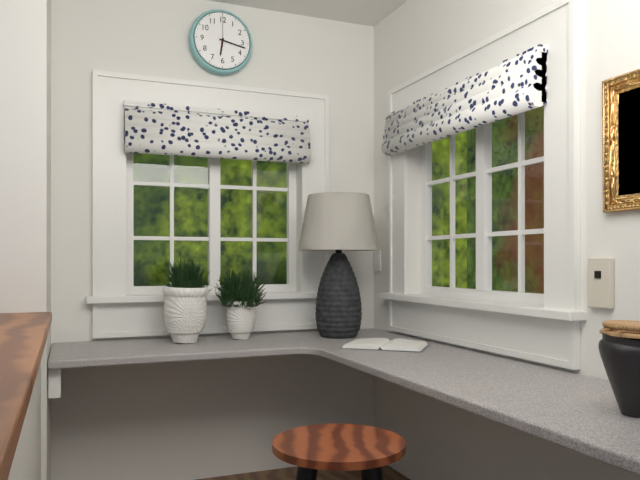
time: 6:17
